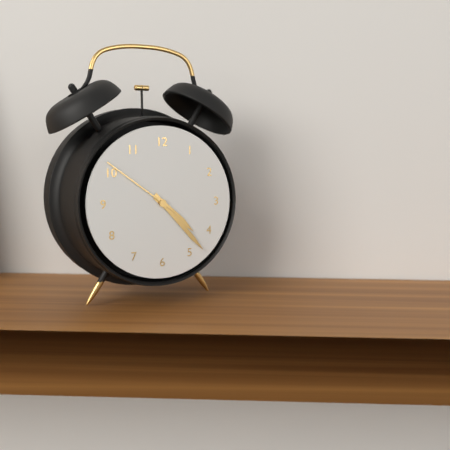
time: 4:23:51
